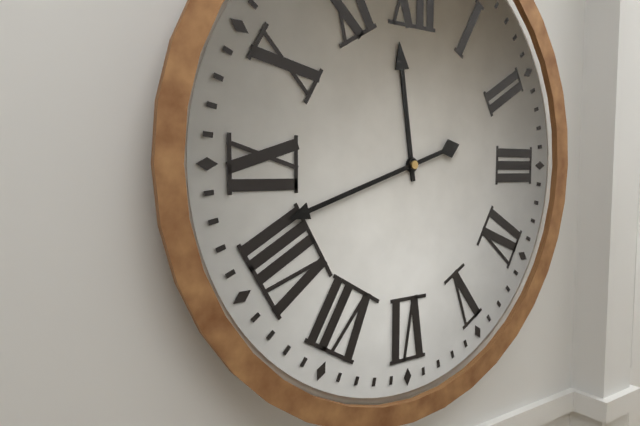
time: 11:42
